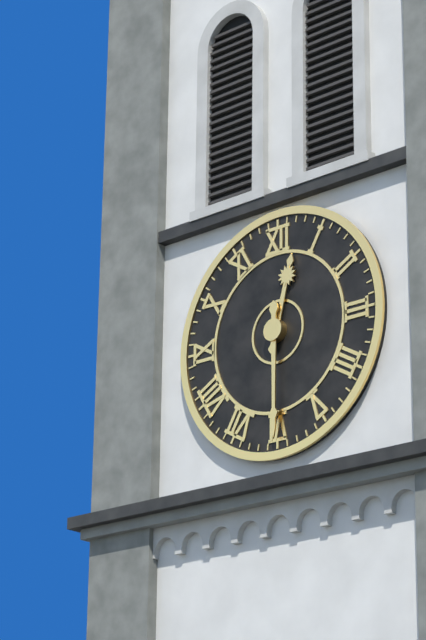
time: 12:30
